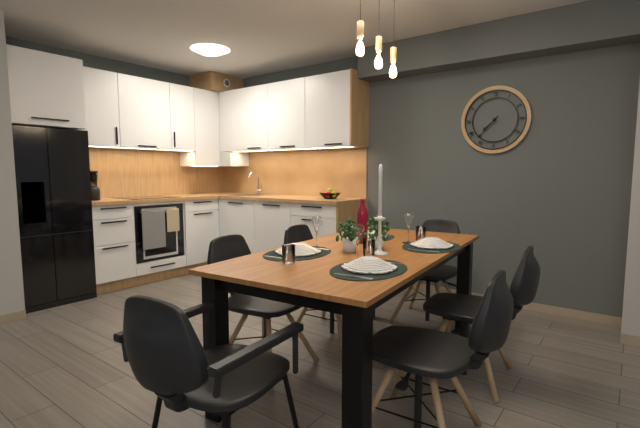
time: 7:37
